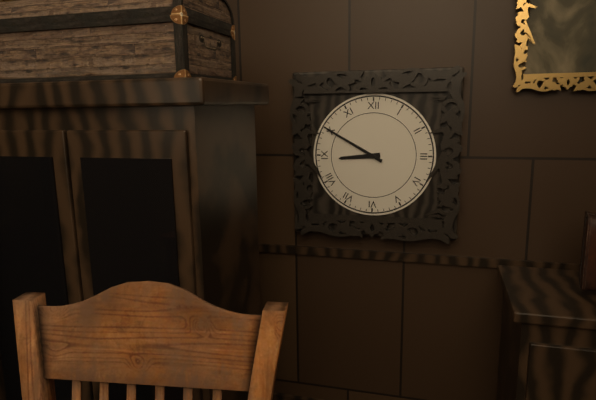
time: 8:50
